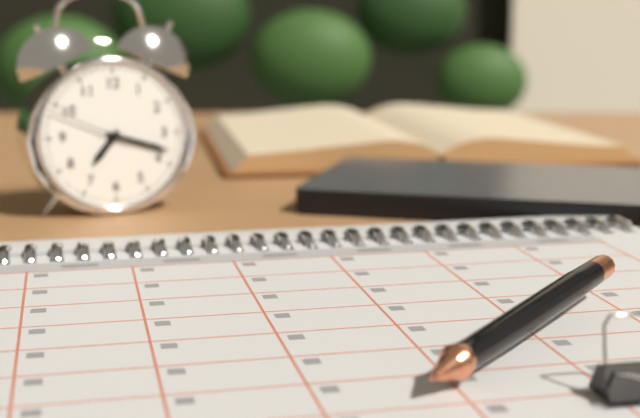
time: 7:18:49
